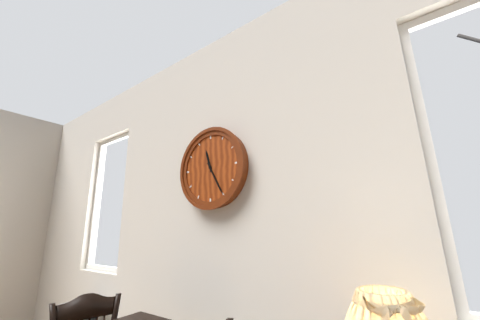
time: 11:25
